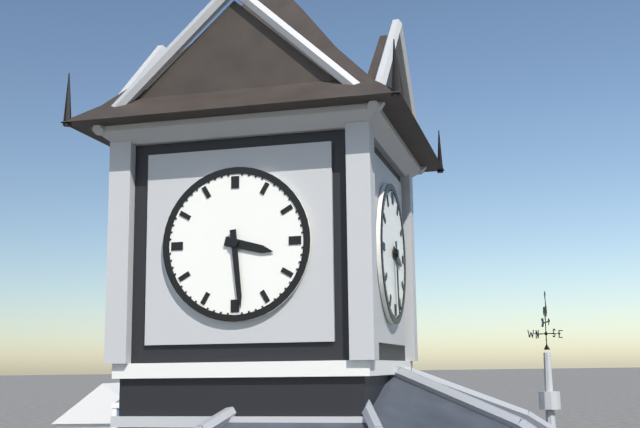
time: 3:29
